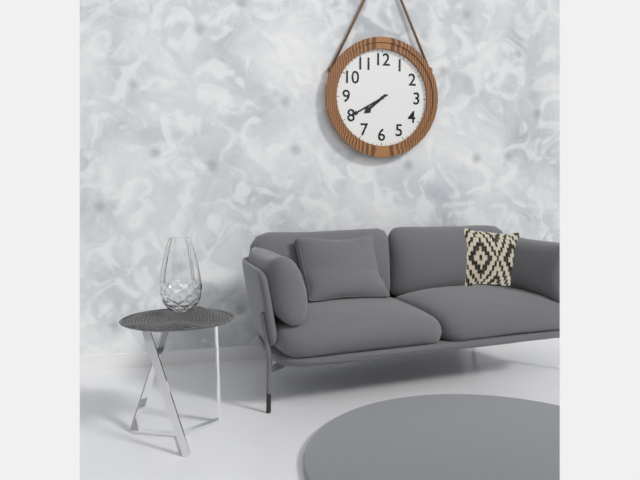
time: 7:40
